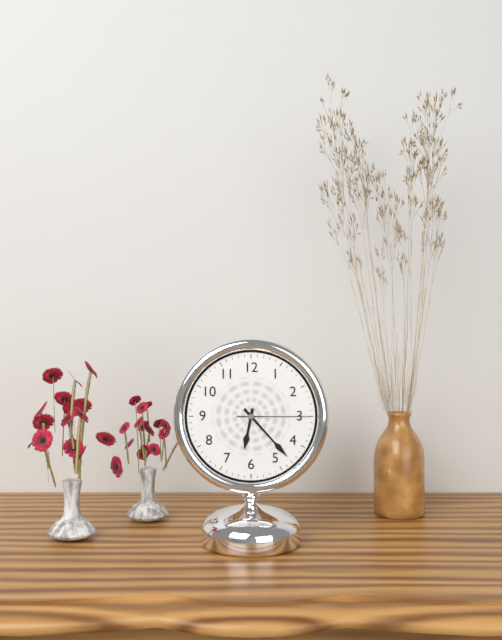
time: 6:23:15
